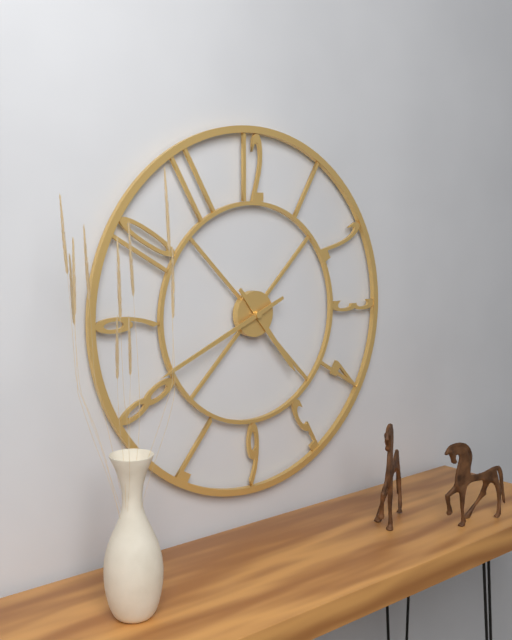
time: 4:41
